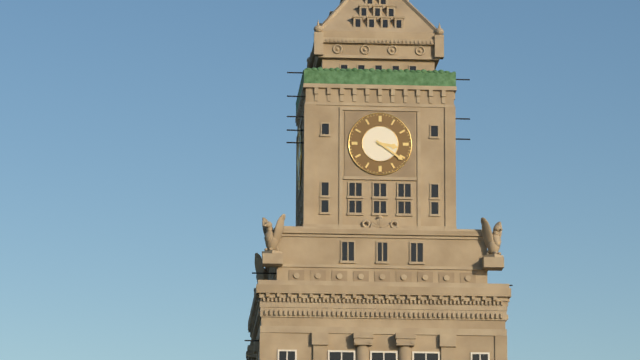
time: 3:21
